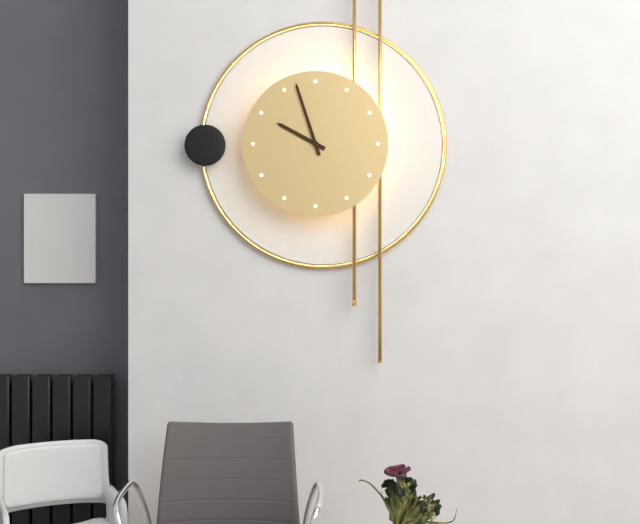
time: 9:57
